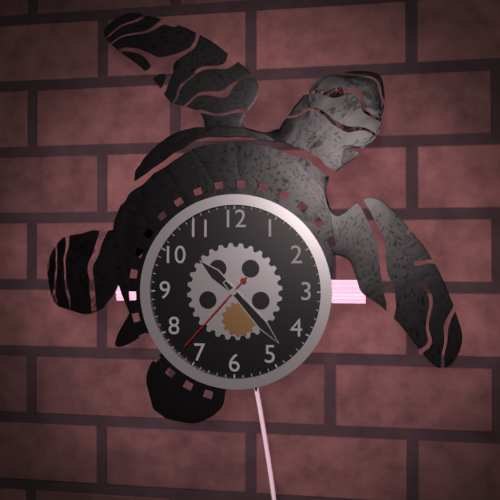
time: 10:23:37
